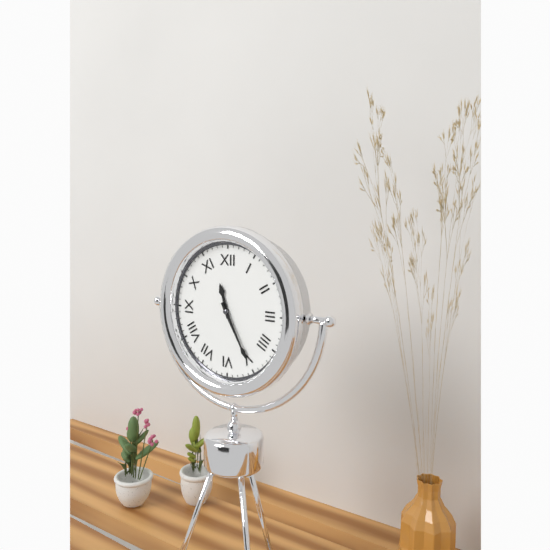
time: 11:25
